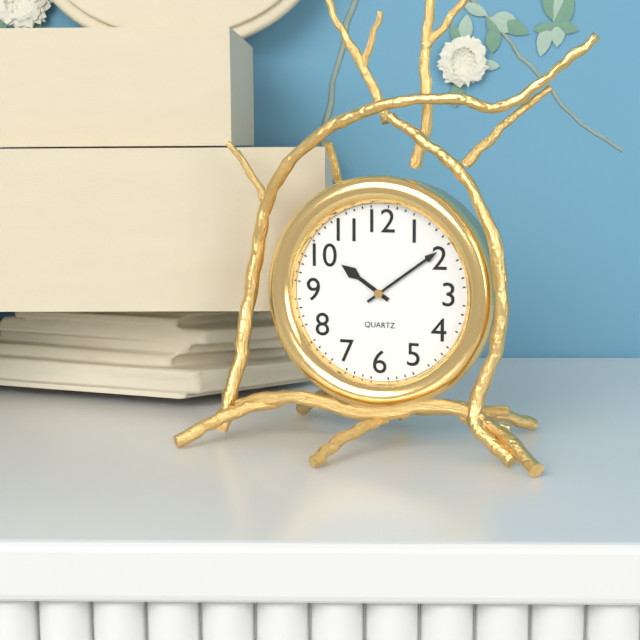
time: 10:09
